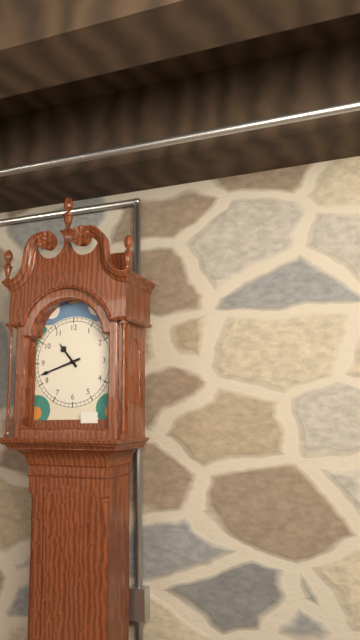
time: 10:42
